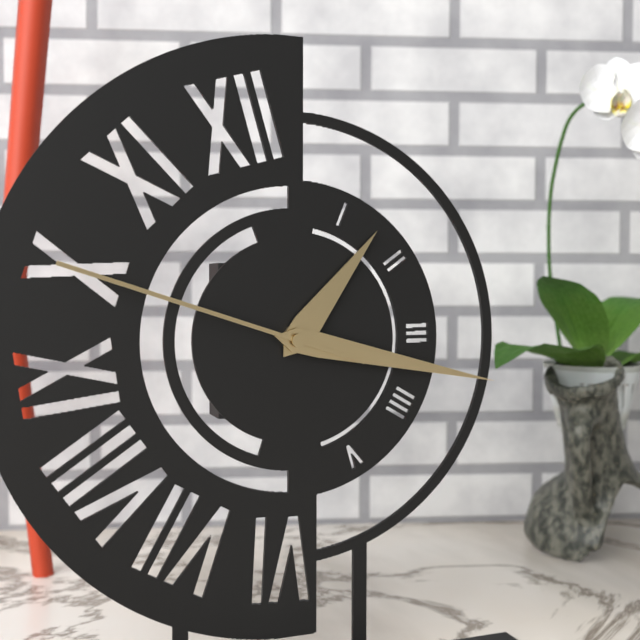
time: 1:17:48
